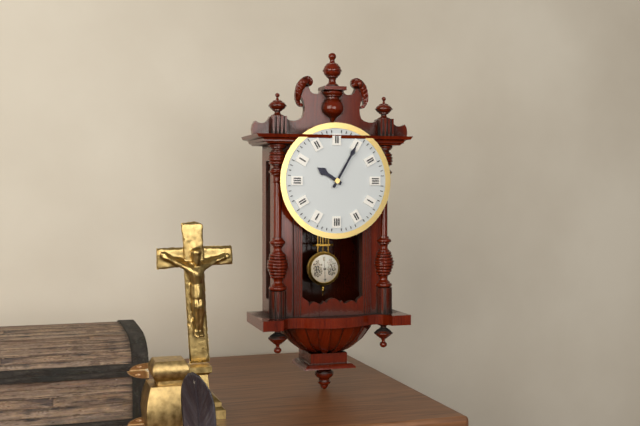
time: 10:05
